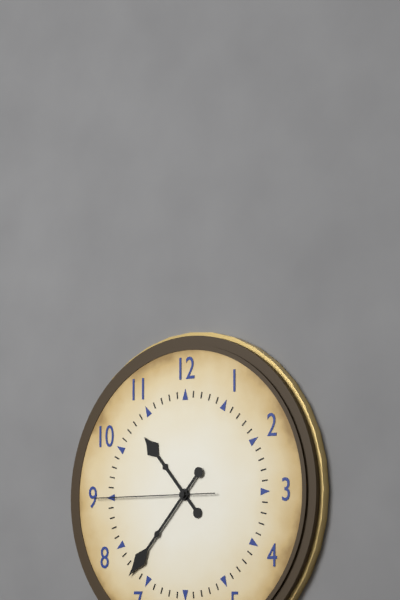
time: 10:37:45
